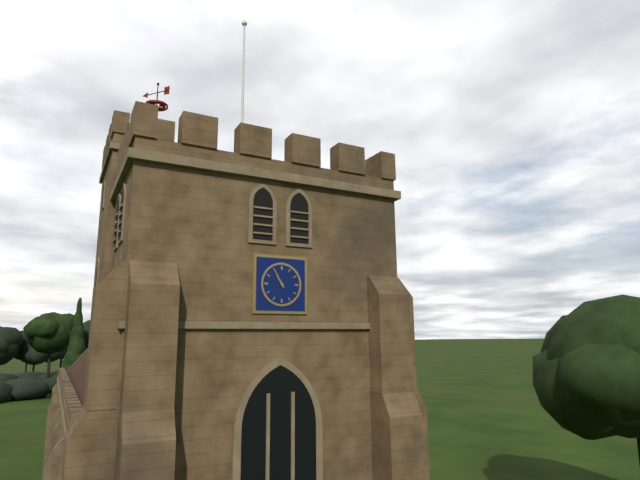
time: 10:55
